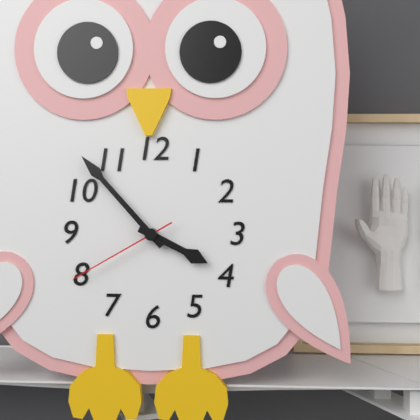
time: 3:53:40
